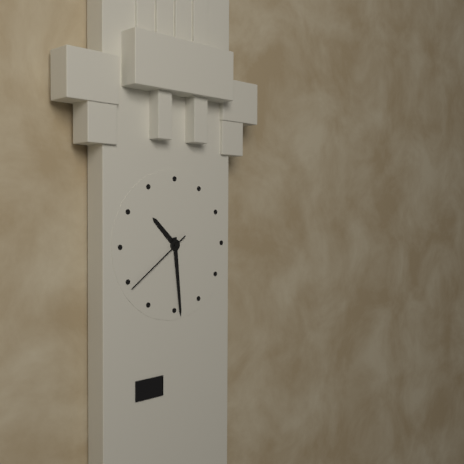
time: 10:29:39
